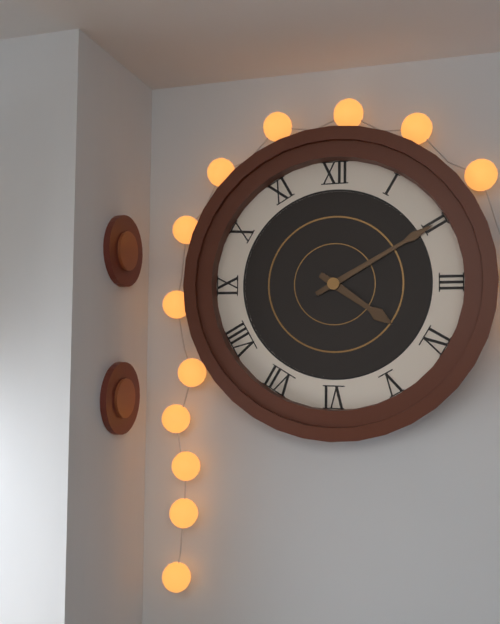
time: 4:10
